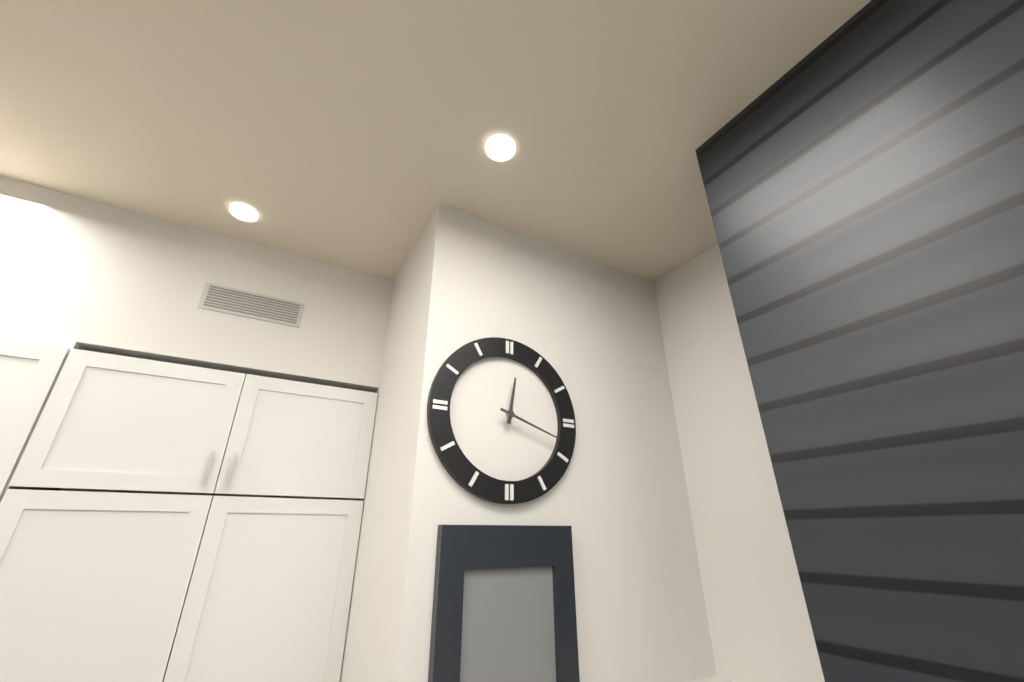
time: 12:18
